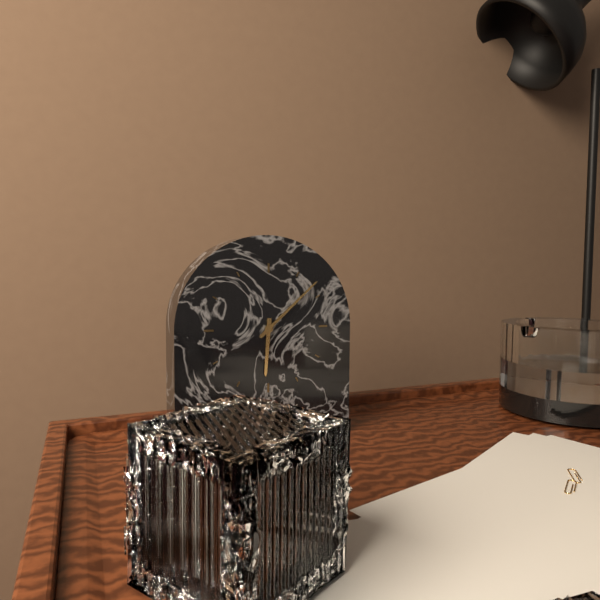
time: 6:08
